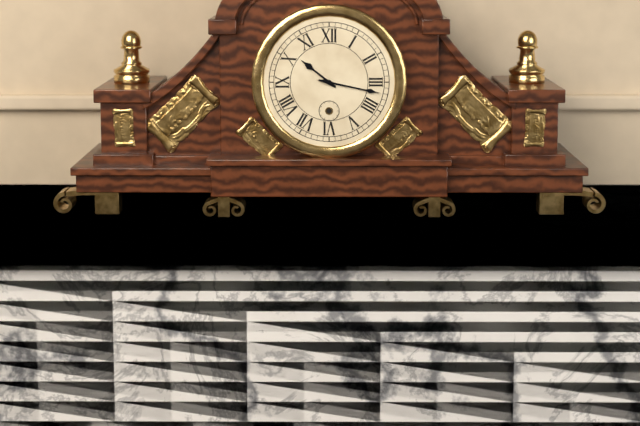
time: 10:17
